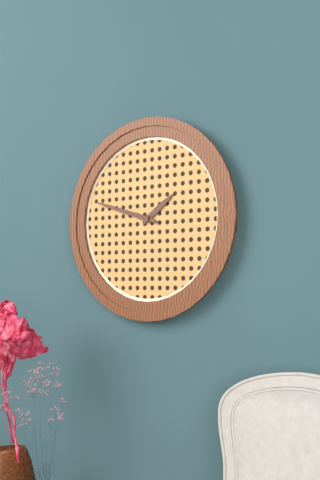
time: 1:48
